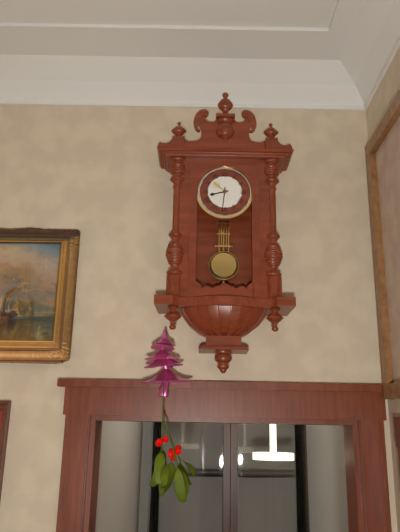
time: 8:31
